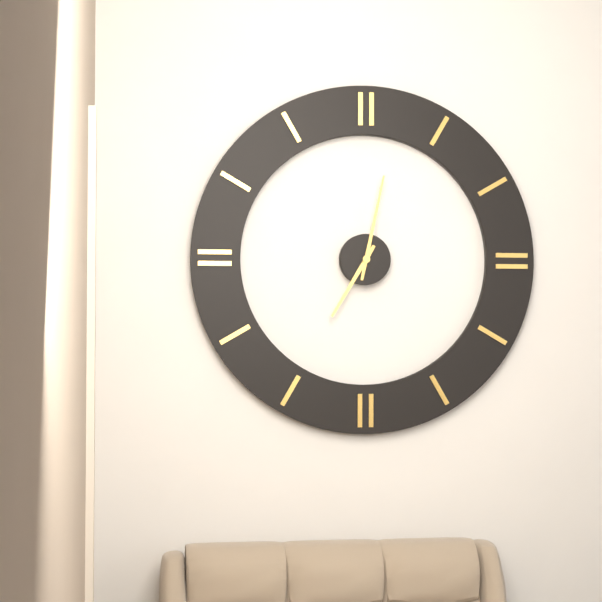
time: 7:02
